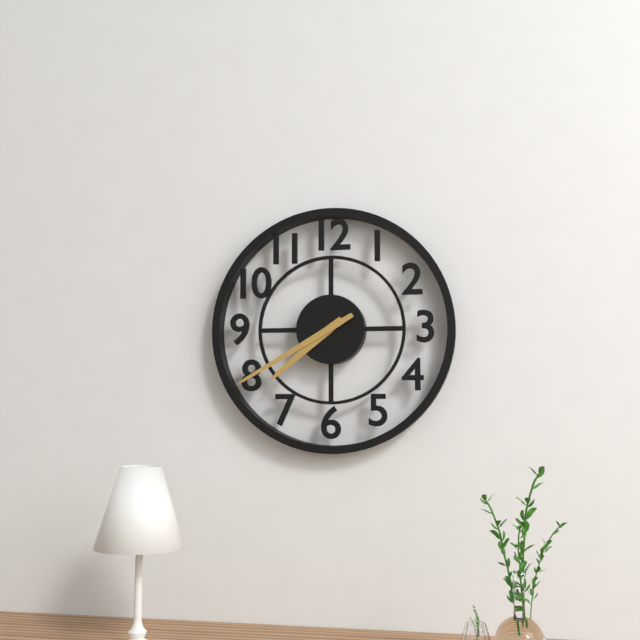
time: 7:40
